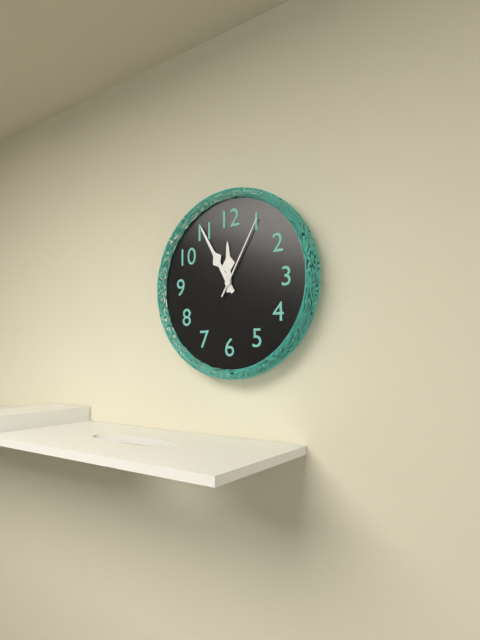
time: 11:55:05
